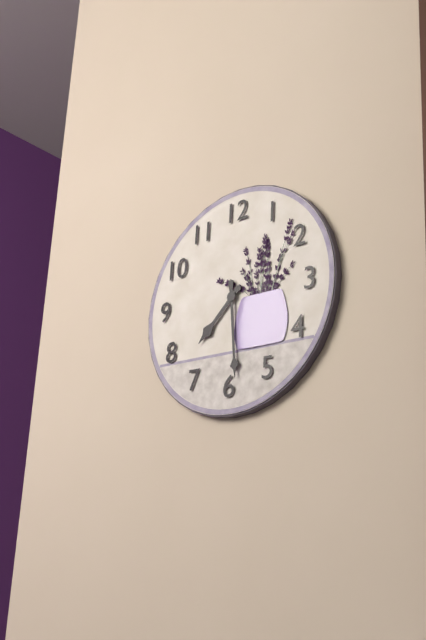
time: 7:29
